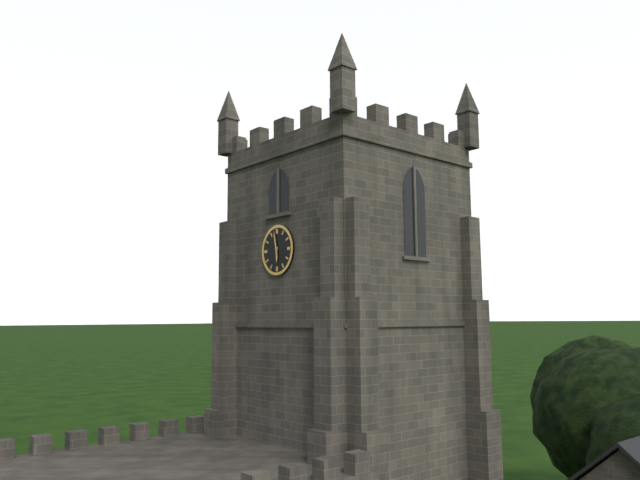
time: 5:58
